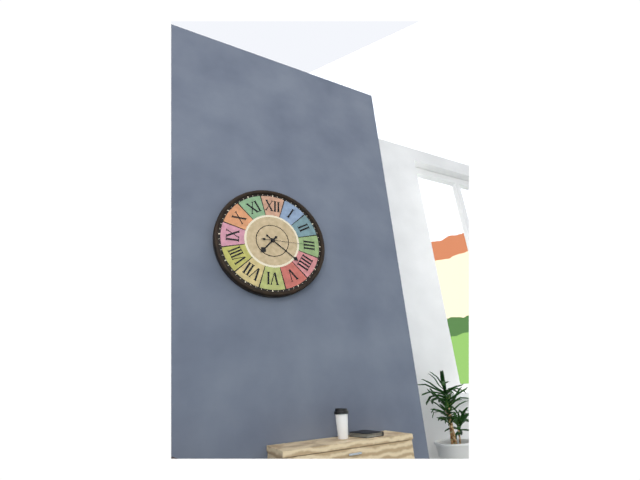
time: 7:21
